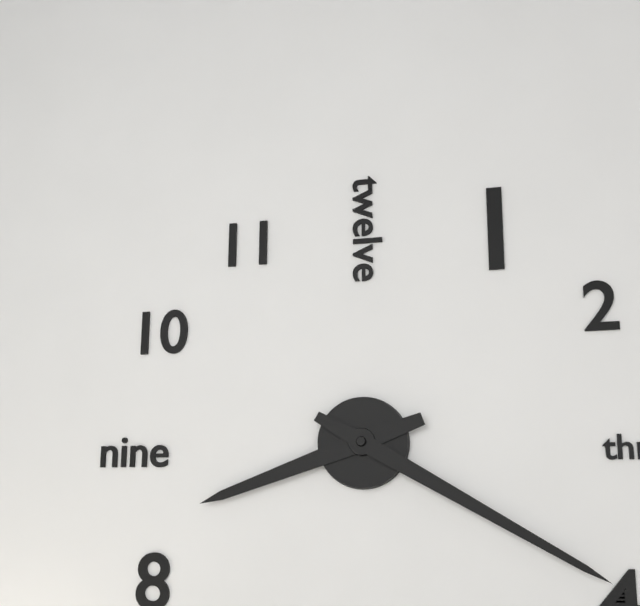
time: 8:20
